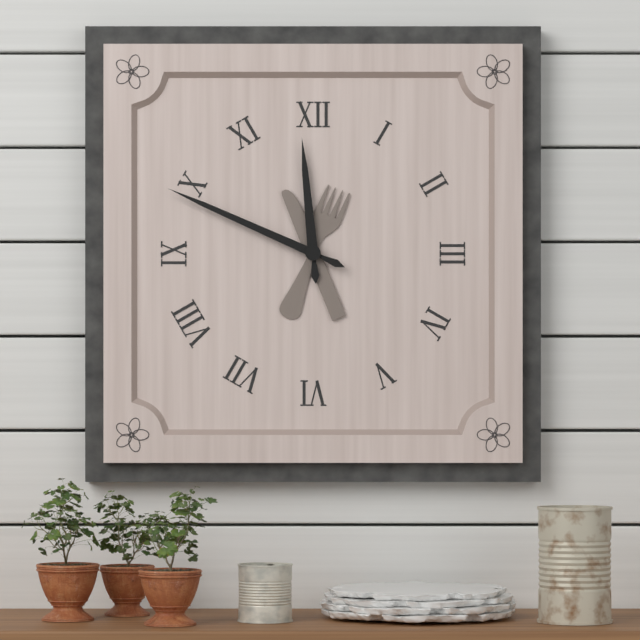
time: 11:49
